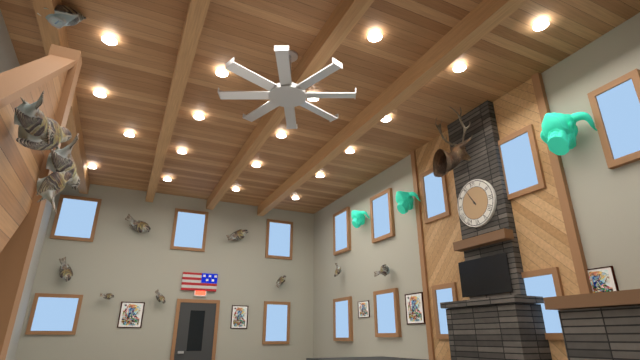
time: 10:55
